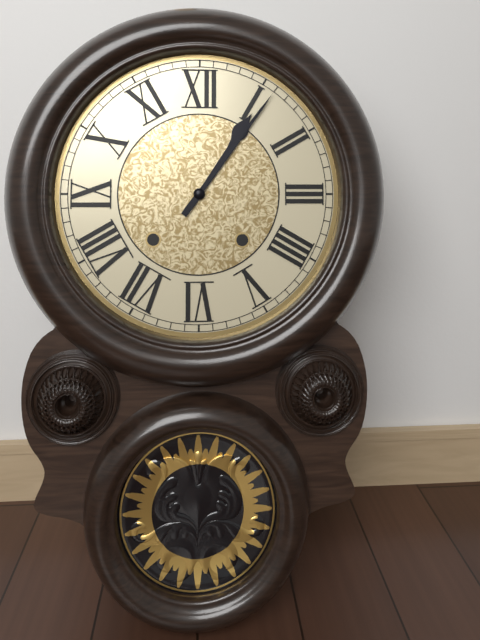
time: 1:06
